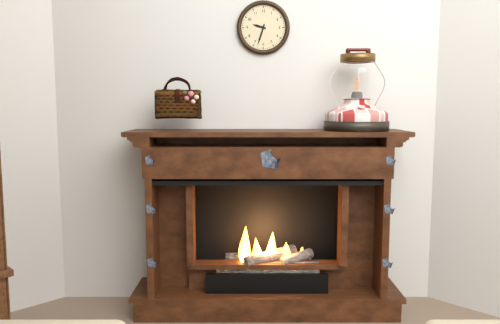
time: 9:33
